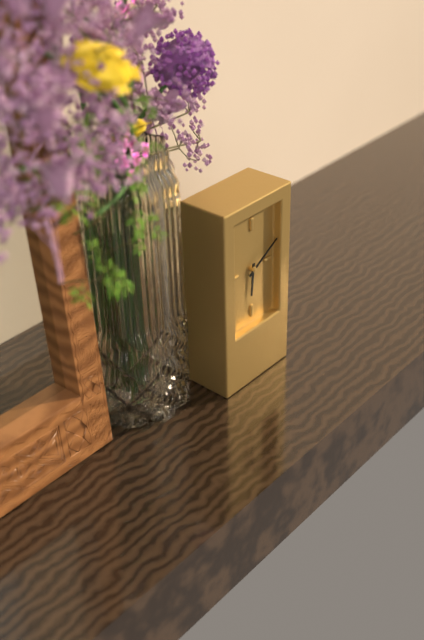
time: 6:10
